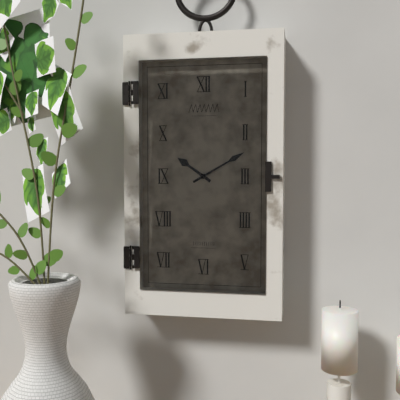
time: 10:10
